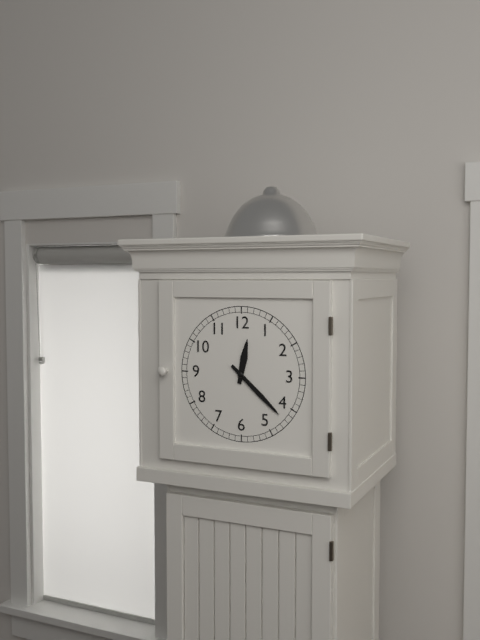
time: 12:22
